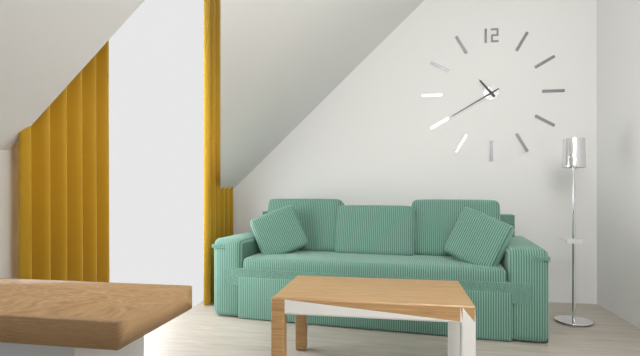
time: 10:40
